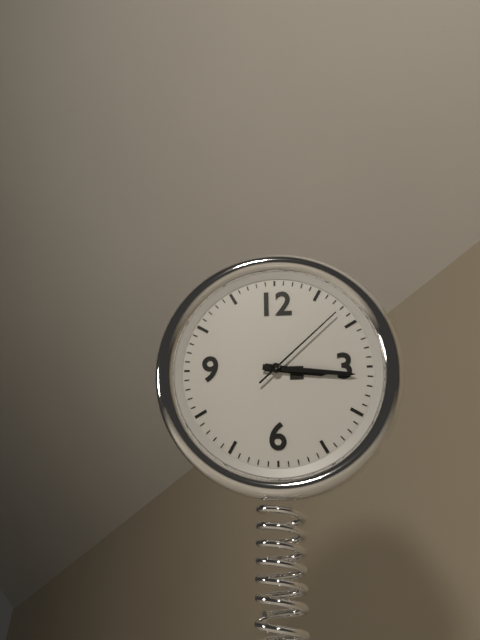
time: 3:16:08
